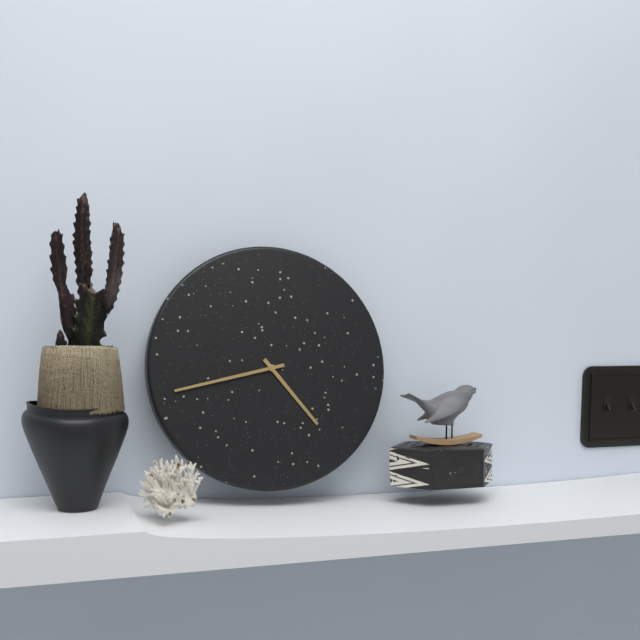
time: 4:43
